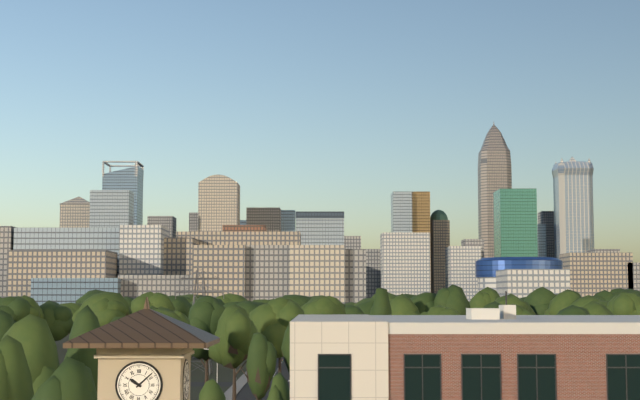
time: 10:08
